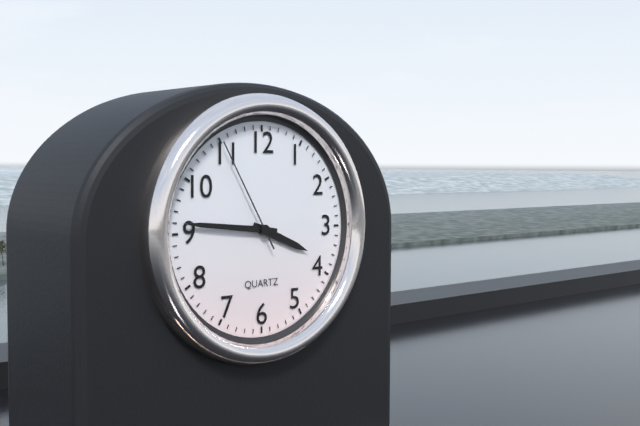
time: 3:46:55
